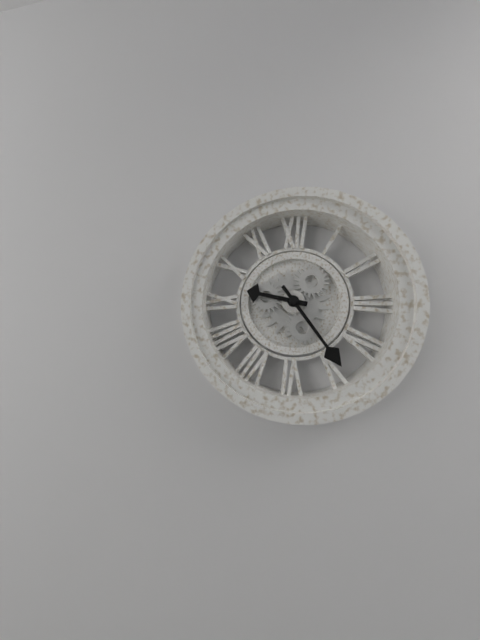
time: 9:24
